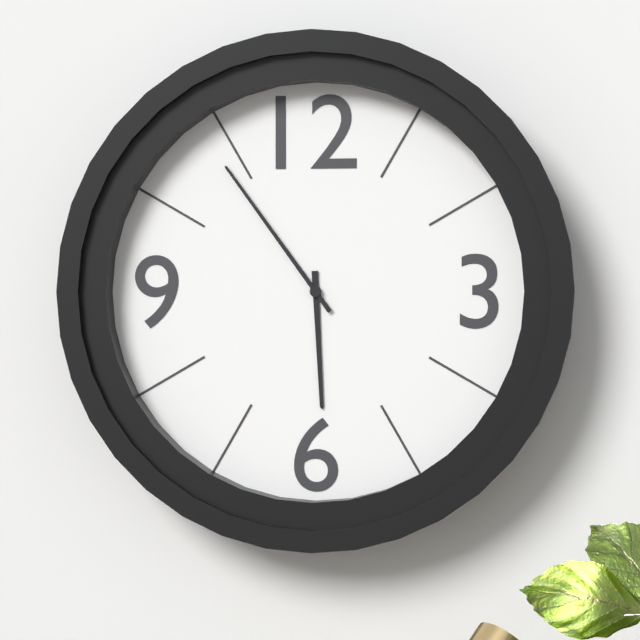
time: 5:54
